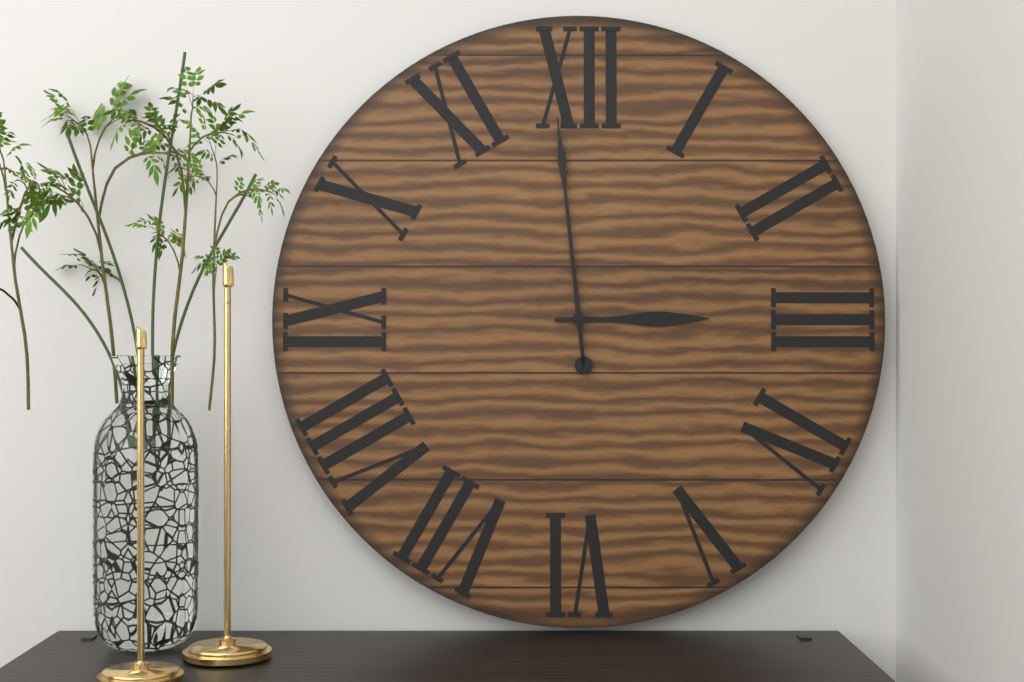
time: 2:59
